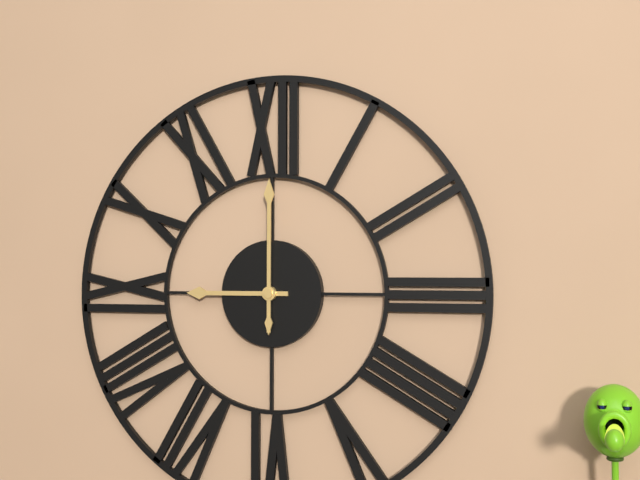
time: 9:00
